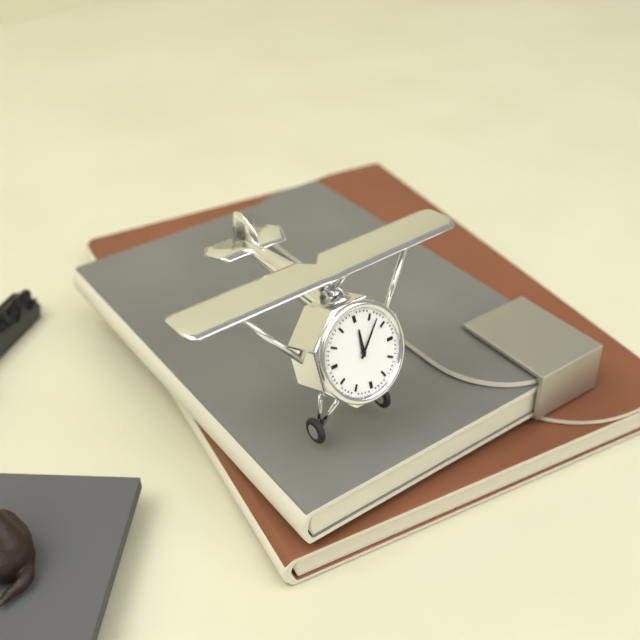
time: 12:07
